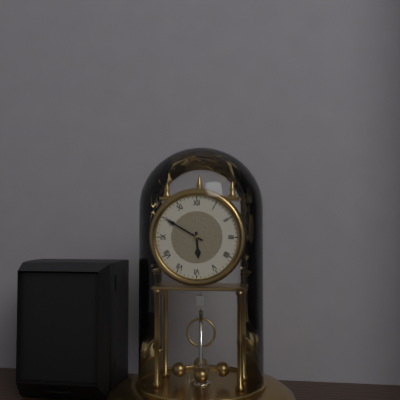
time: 5:50
